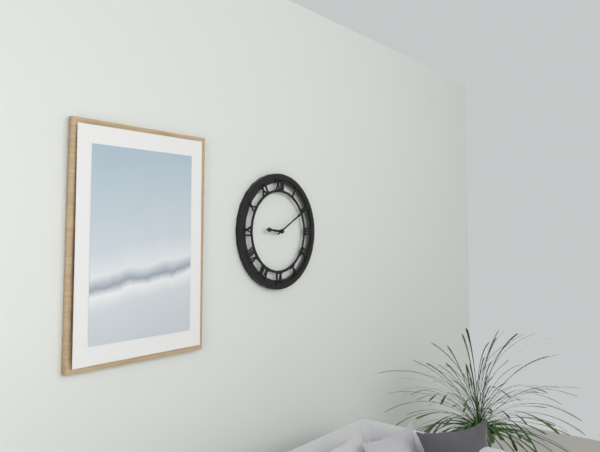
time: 9:10
